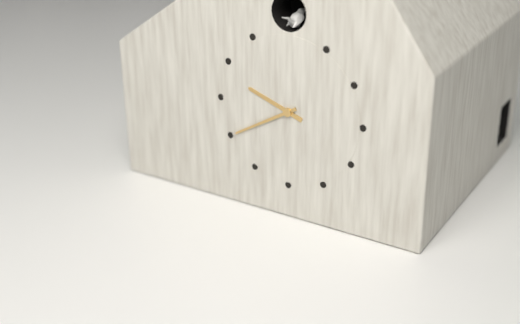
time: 9:40
